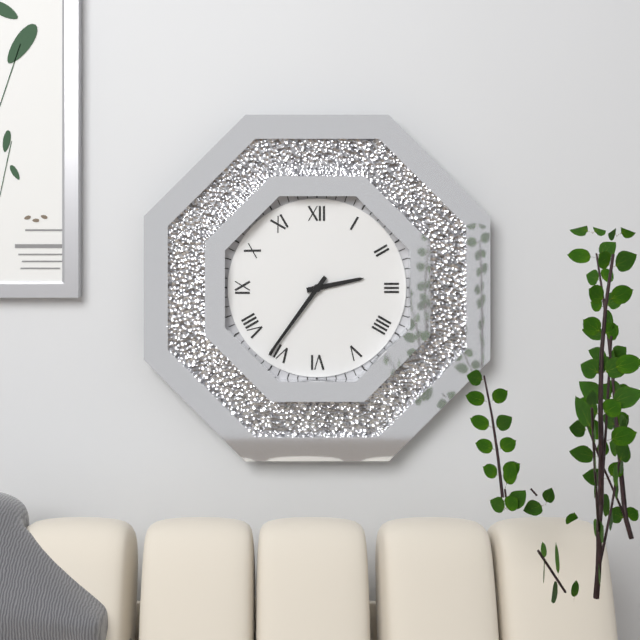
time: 2:36
